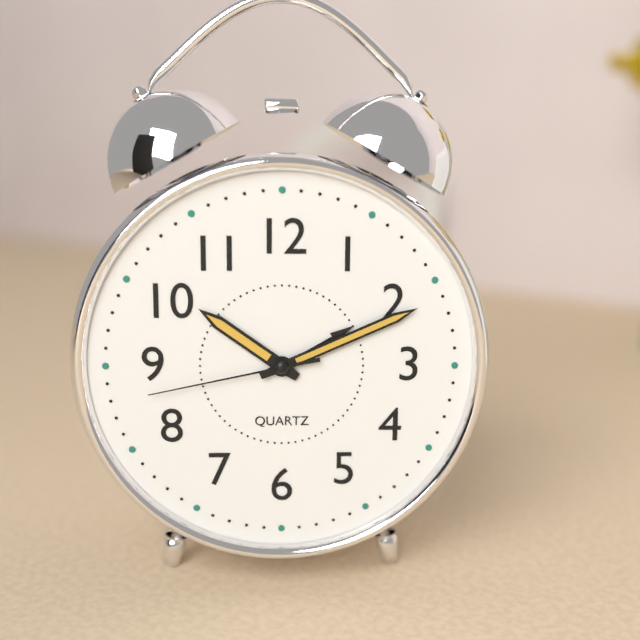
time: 10:11:43
